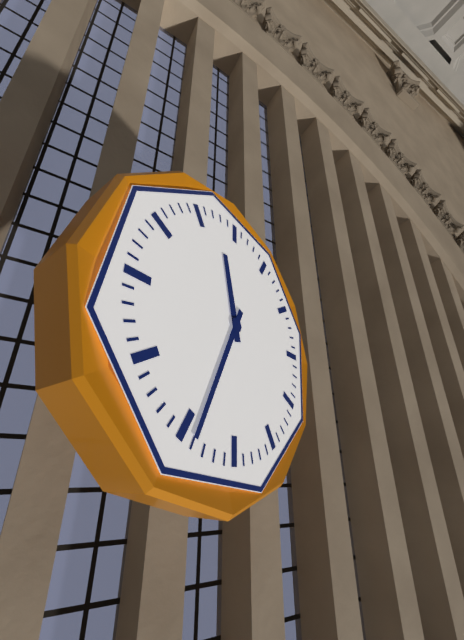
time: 11:34
